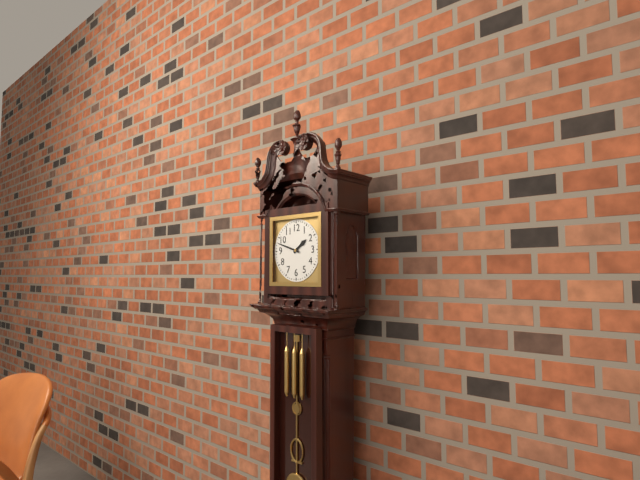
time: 1:48
